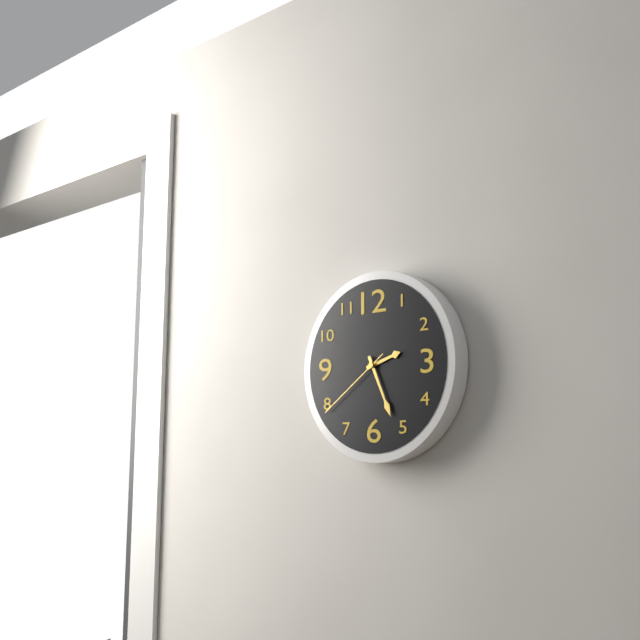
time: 2:26:39
